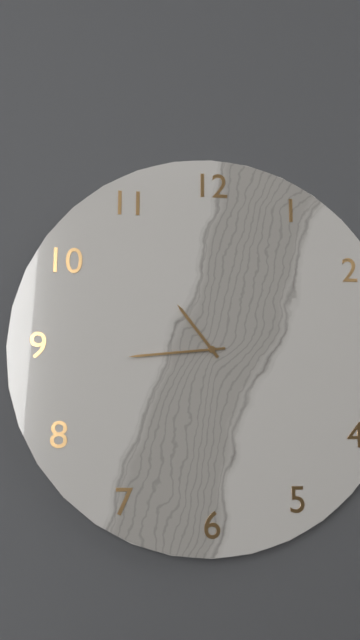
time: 10:44
